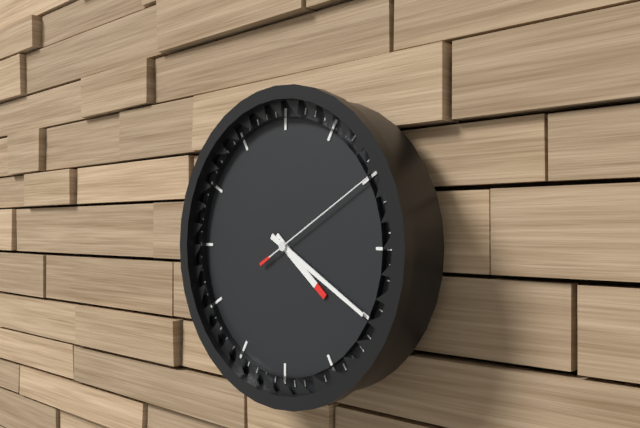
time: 4:20:10
